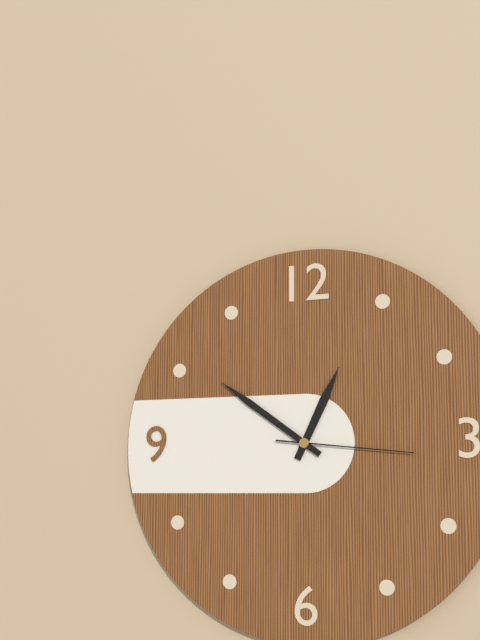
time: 12:51:16
